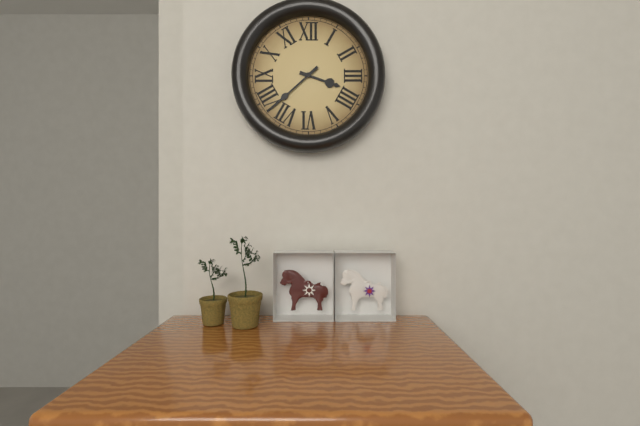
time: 3:38
